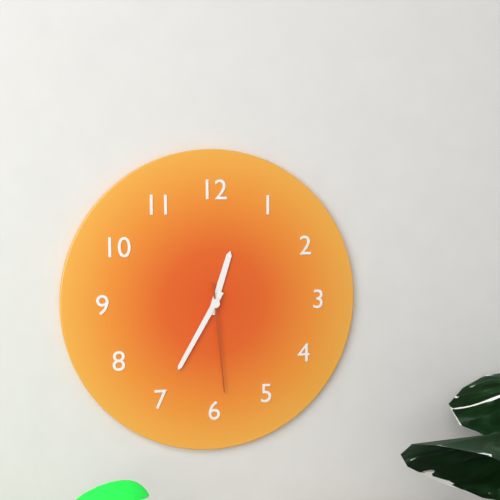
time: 12:35:29
